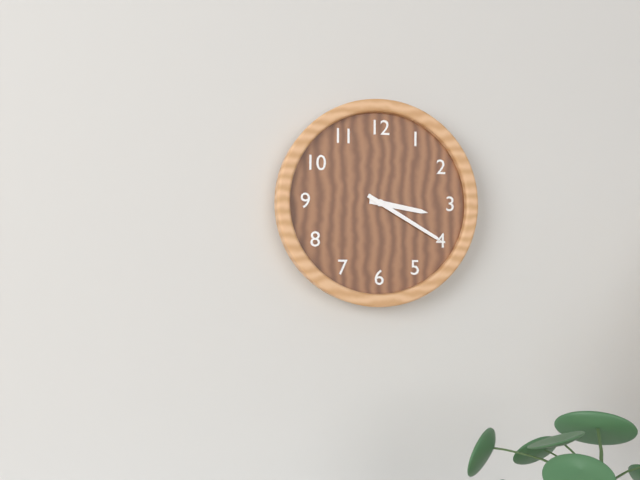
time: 3:20
